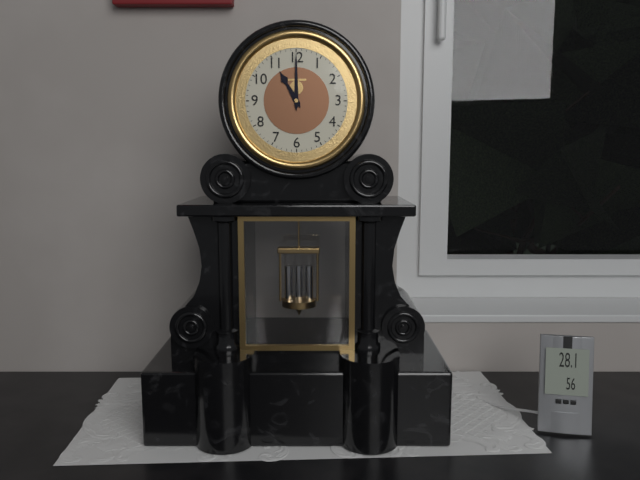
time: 11:00
